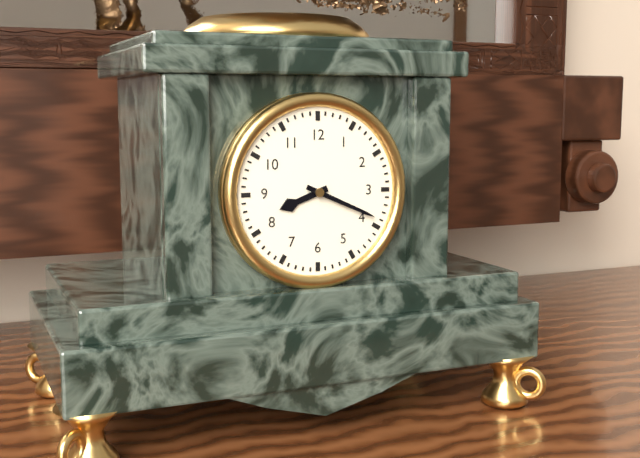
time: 8:19
